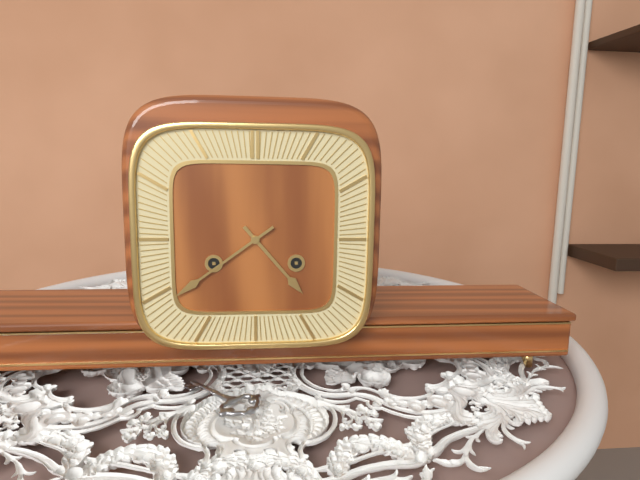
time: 4:39
